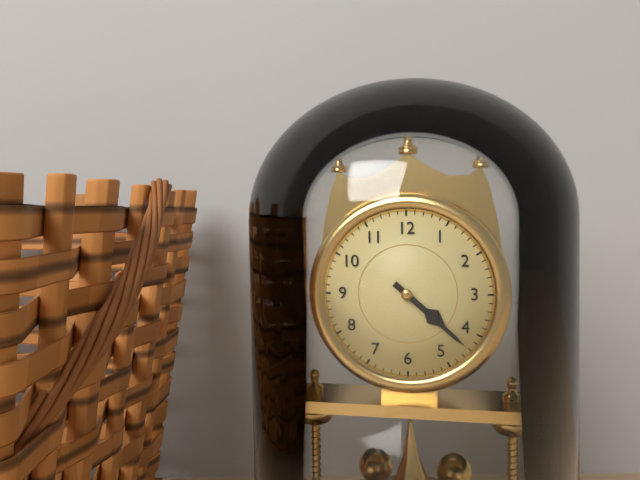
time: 4:22
